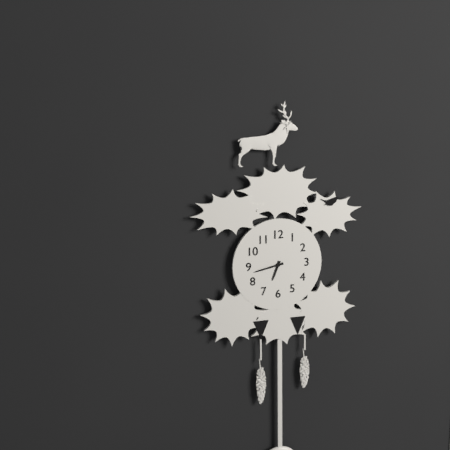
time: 6:43
